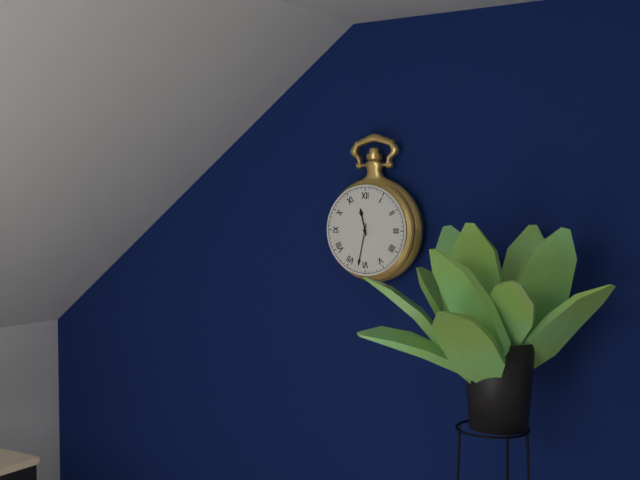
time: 11:32
